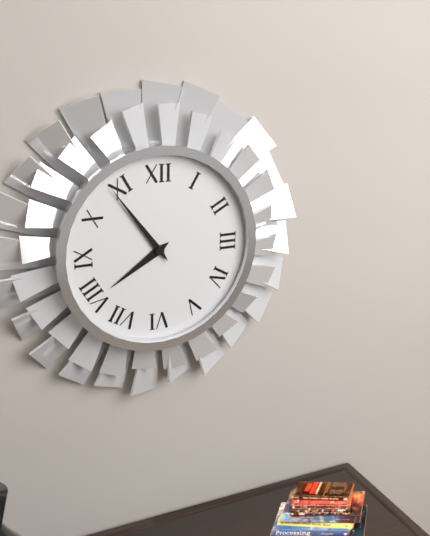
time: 7:54
